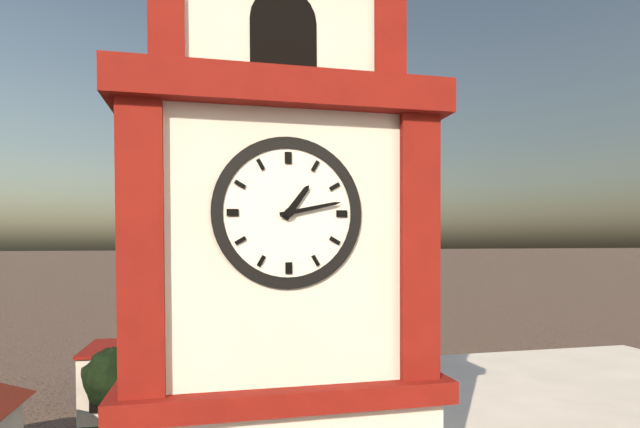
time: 1:13
